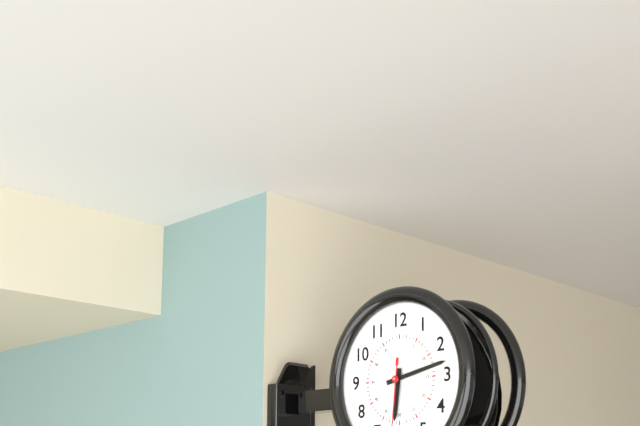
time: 6:13
